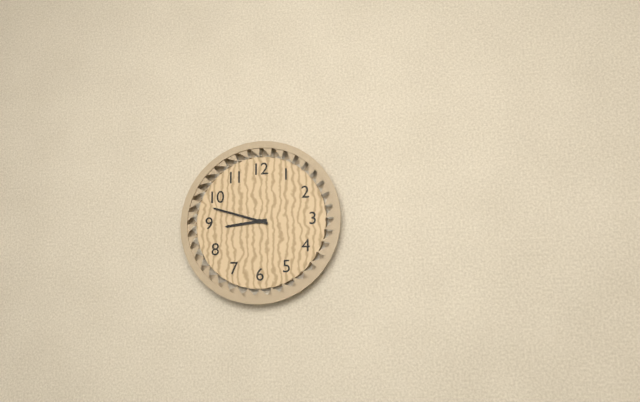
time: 8:48
